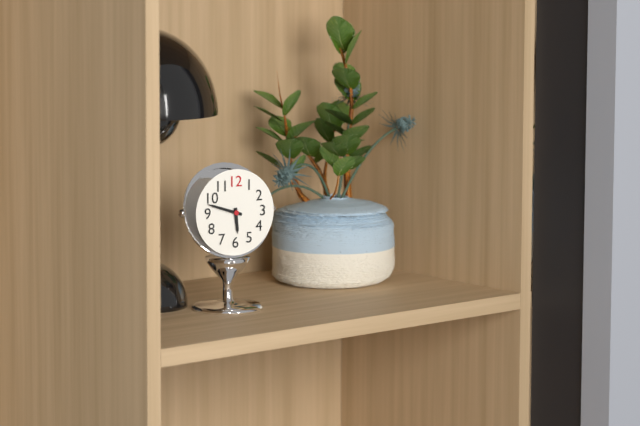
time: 5:48
